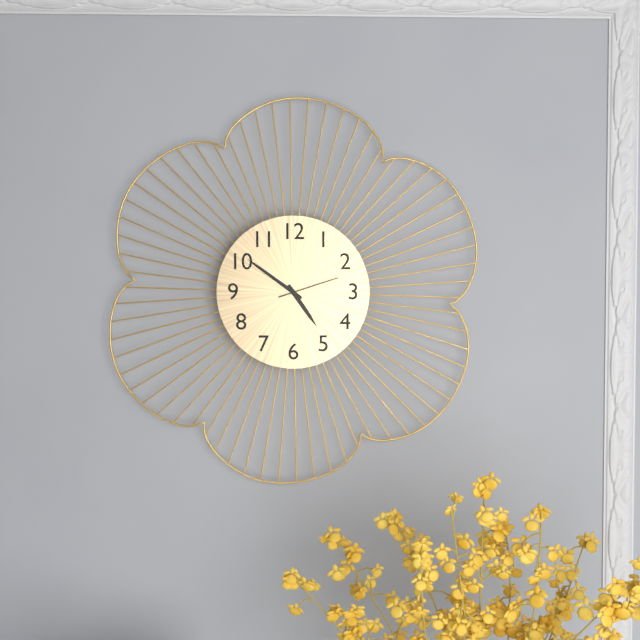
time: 4:51:12
